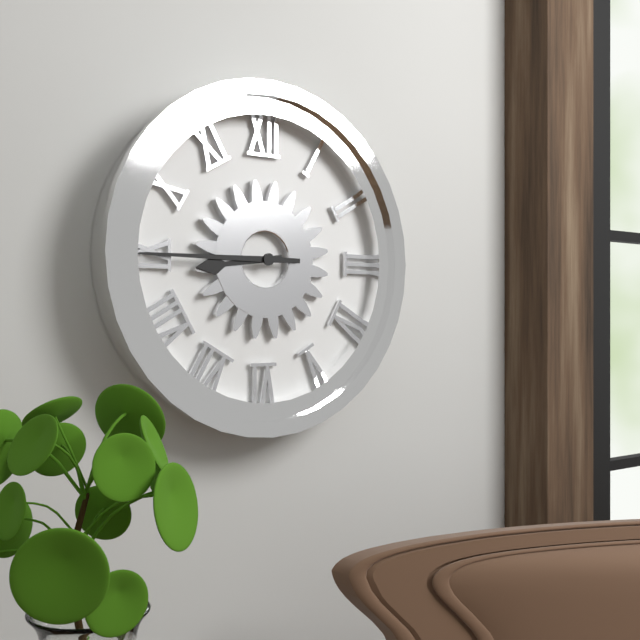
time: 8:45
